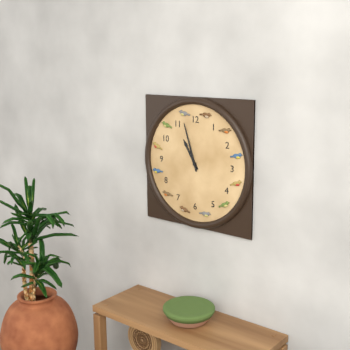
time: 10:57
